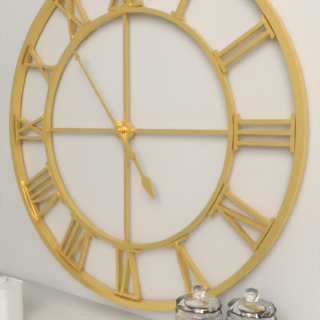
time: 4:54
